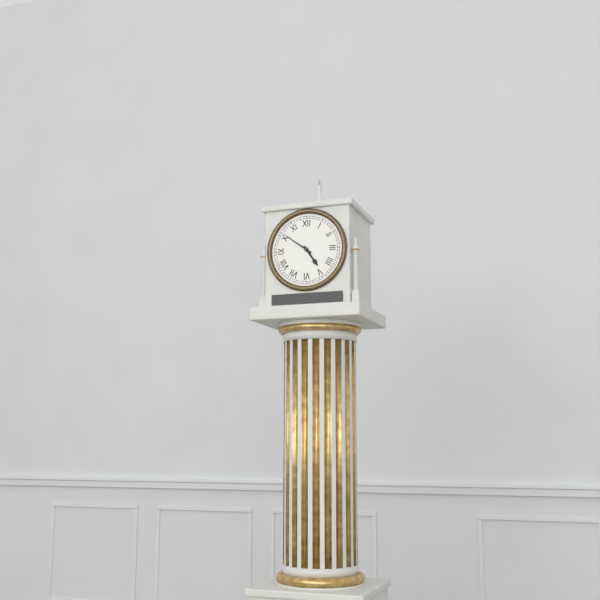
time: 4:51
